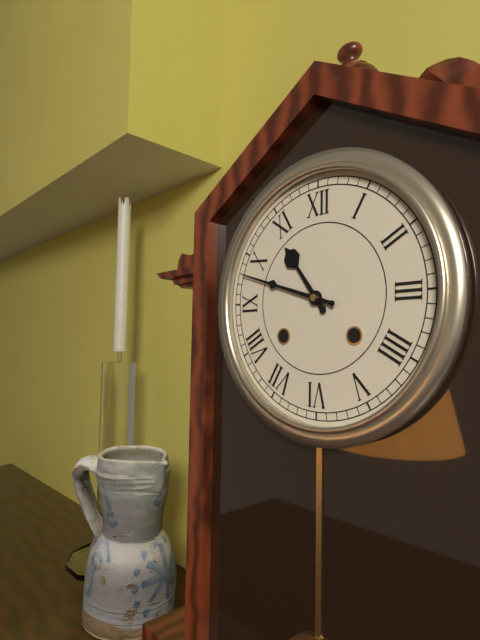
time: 10:48
